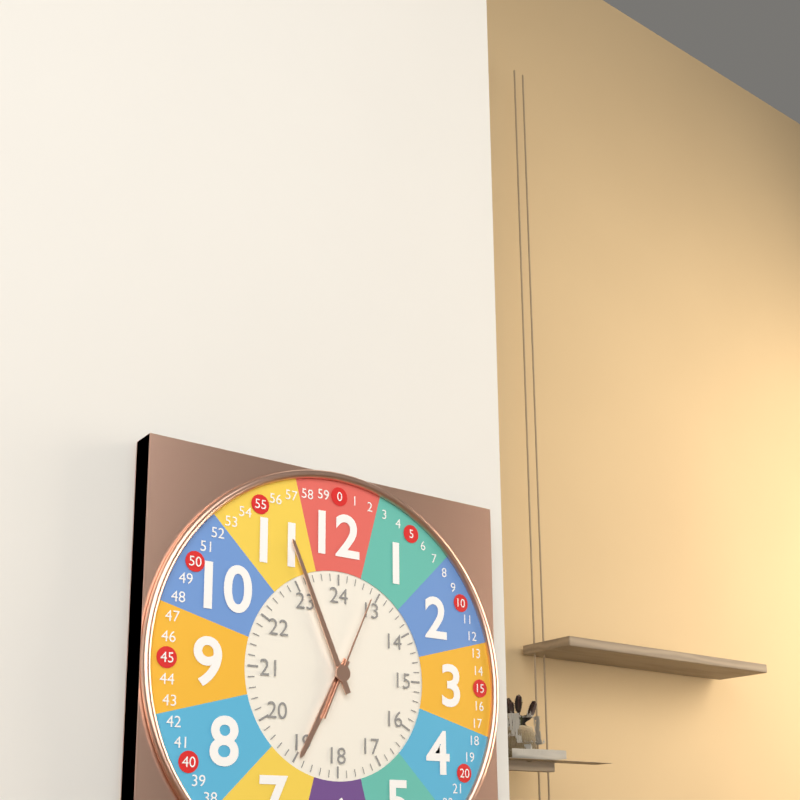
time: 6:56:04
